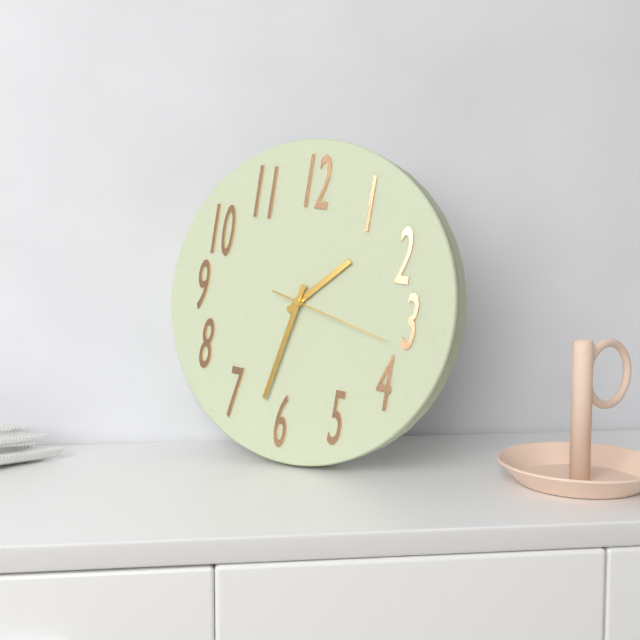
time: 1:32:17
